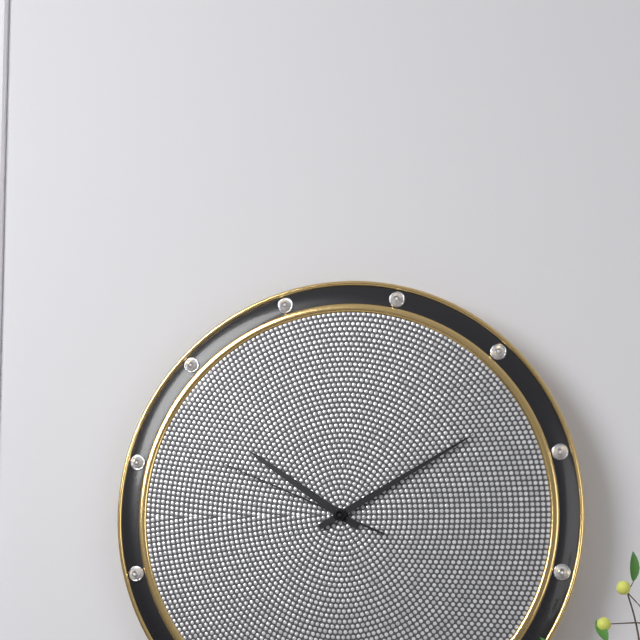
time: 10:10:49
